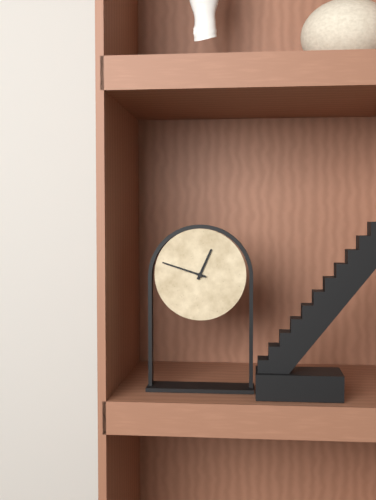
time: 12:48
